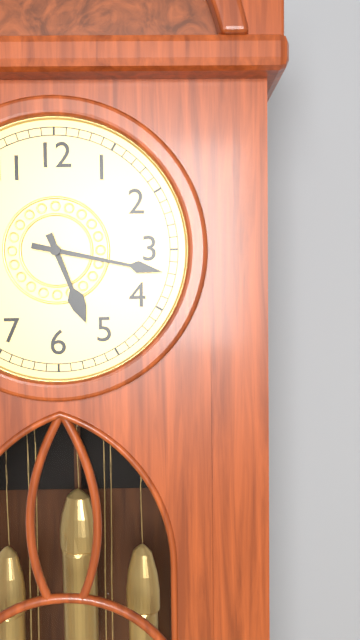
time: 5:17
